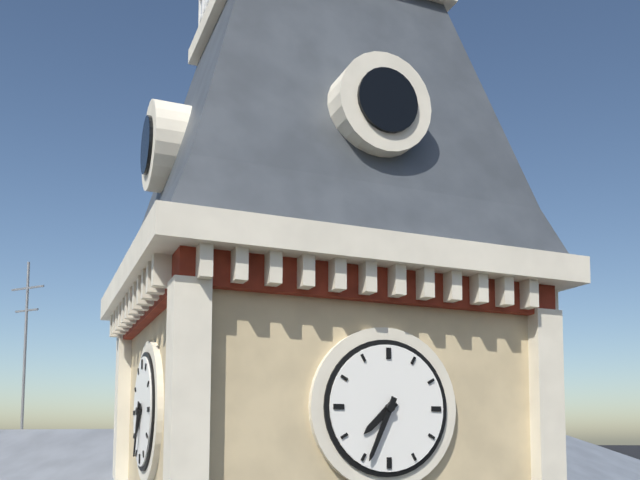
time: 7:34
